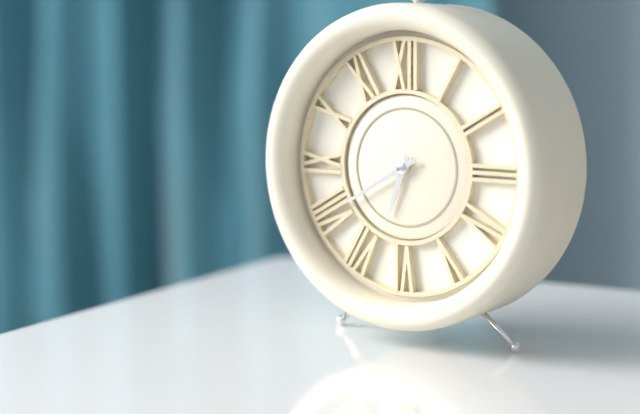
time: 6:40
